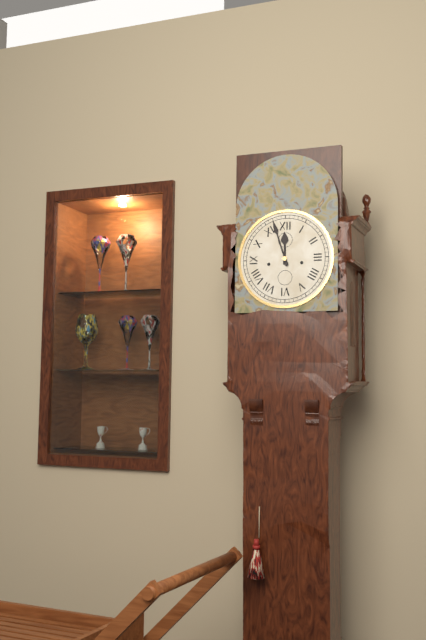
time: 11:57
